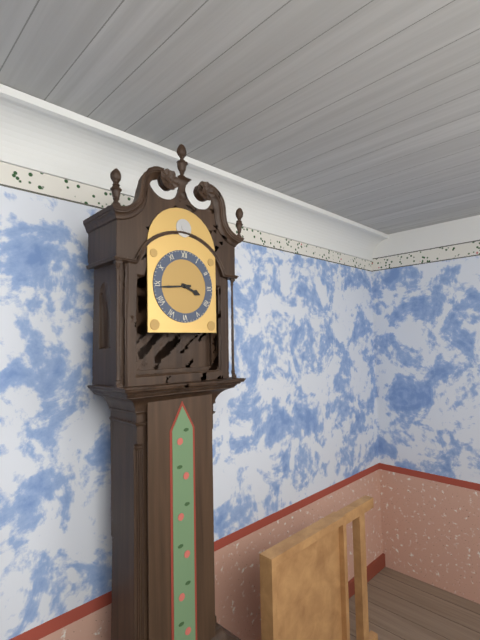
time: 3:44
